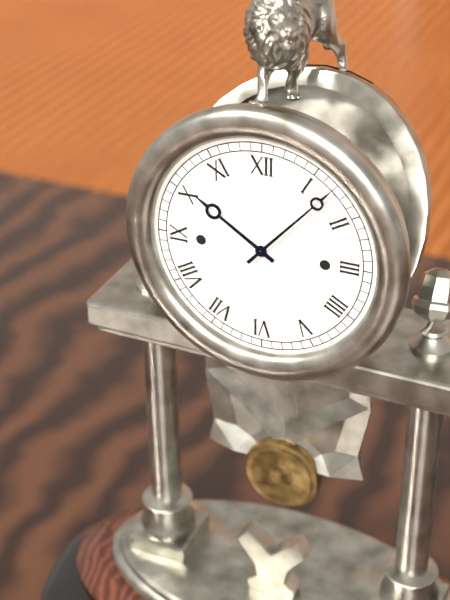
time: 10:07
